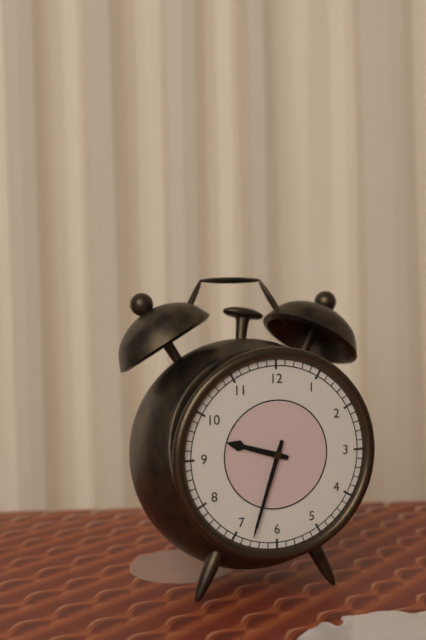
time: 9:33
